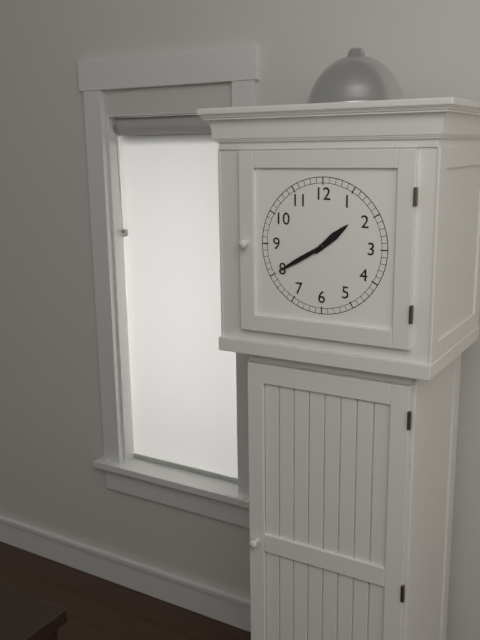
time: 1:40
